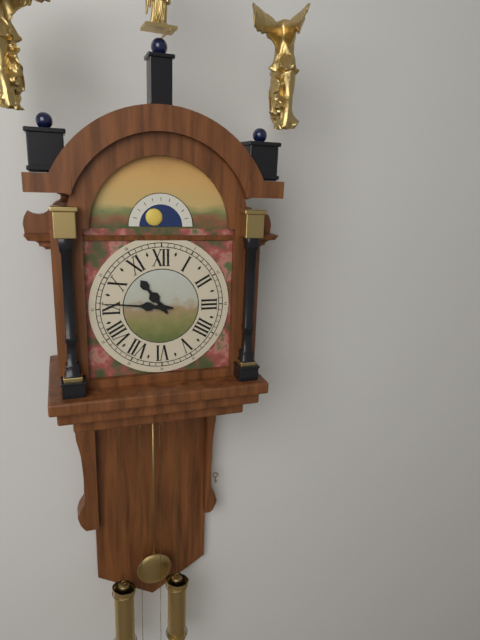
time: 10:46
